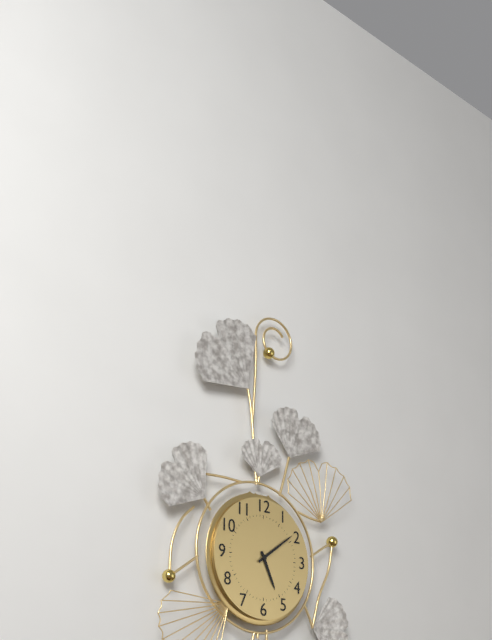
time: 5:09
